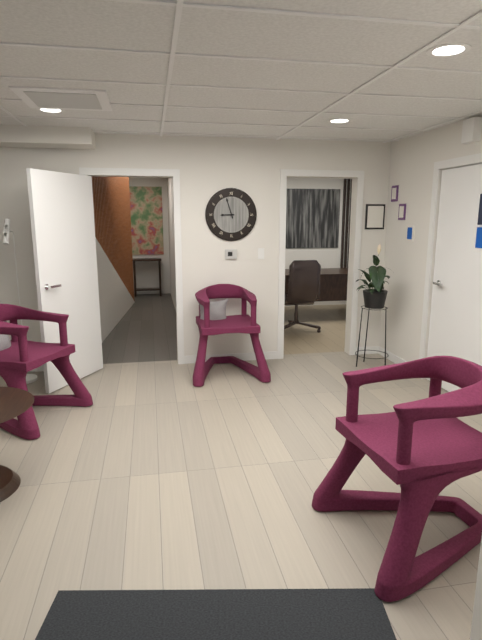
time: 8:57
